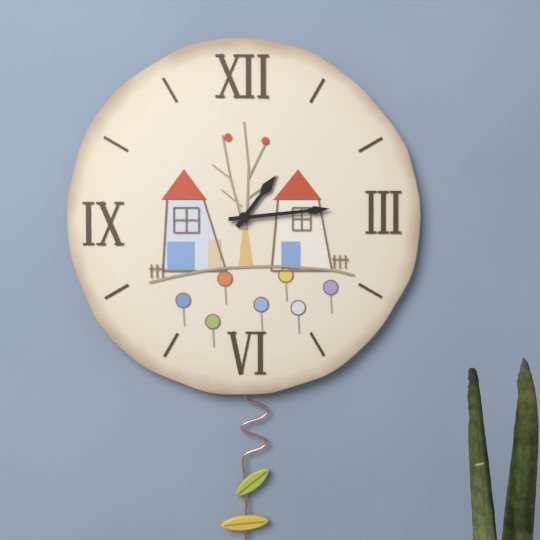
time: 1:14
